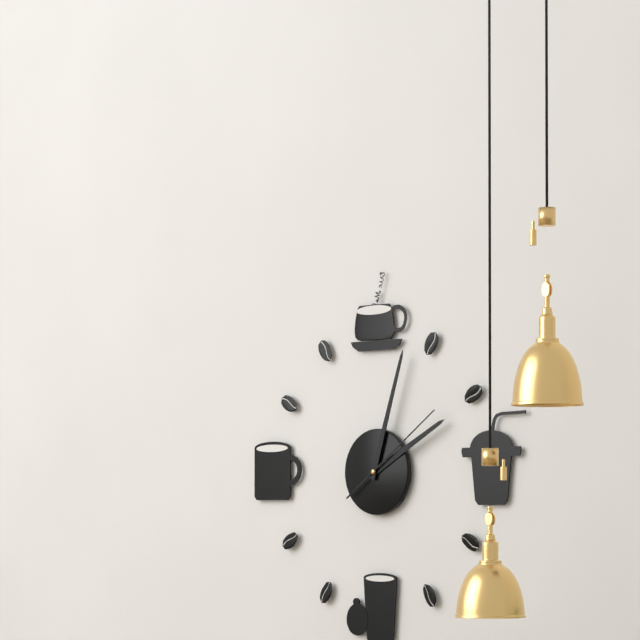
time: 2:03:09
